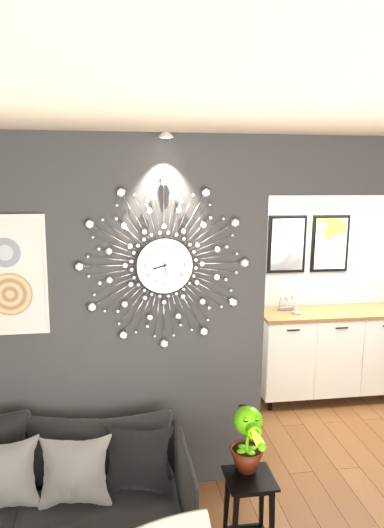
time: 8:28
